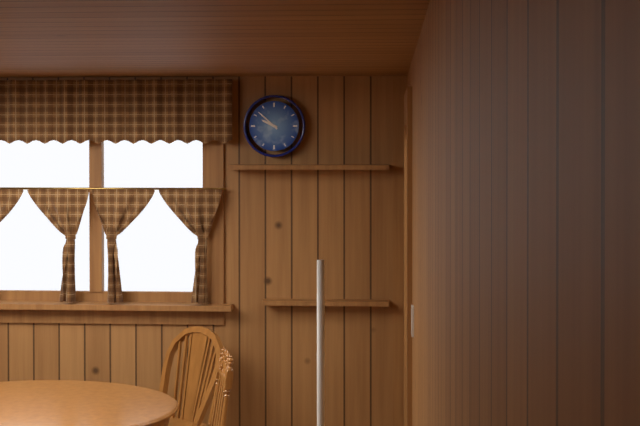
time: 9:52
